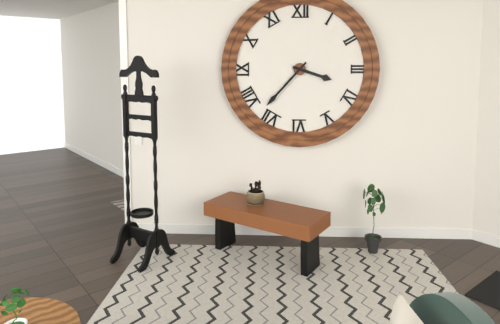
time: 3:37
